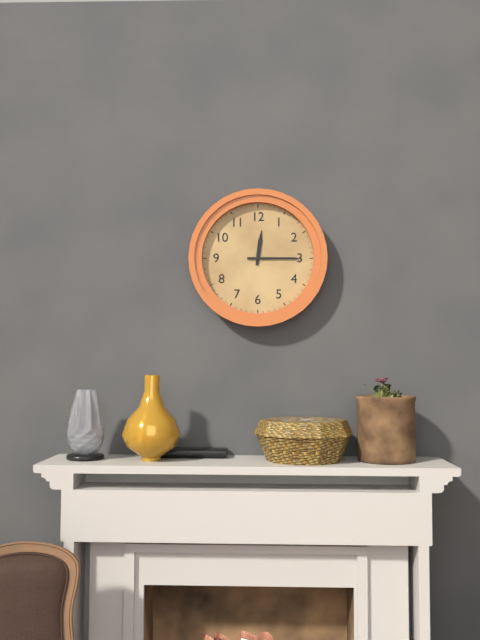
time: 12:15
